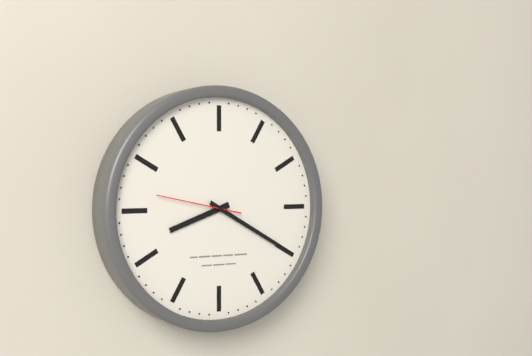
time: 8:20:47
